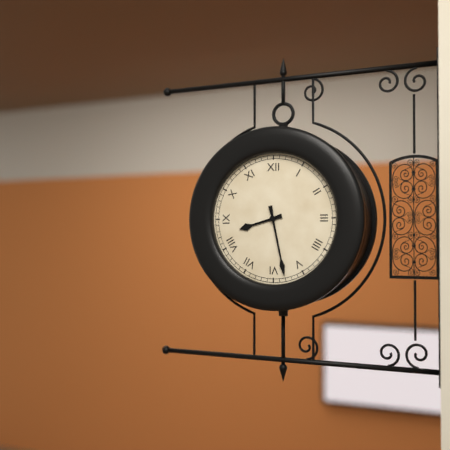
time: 8:28
